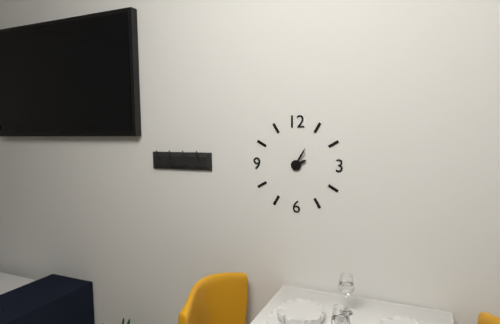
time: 2:05
